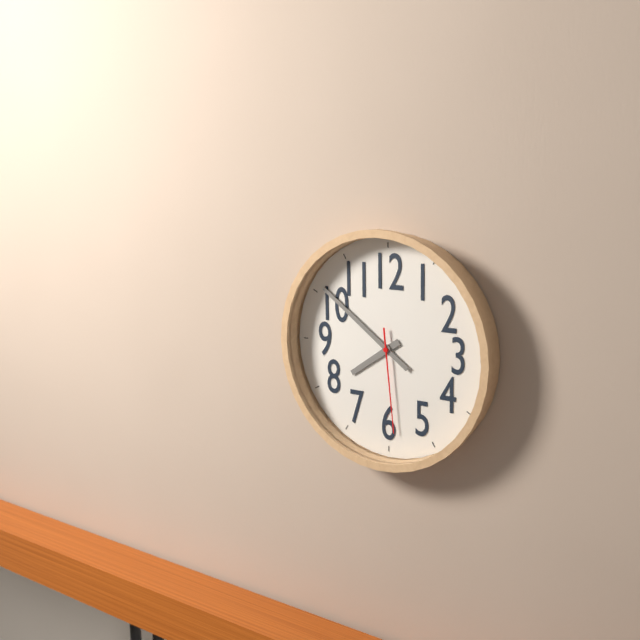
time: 7:51:29
